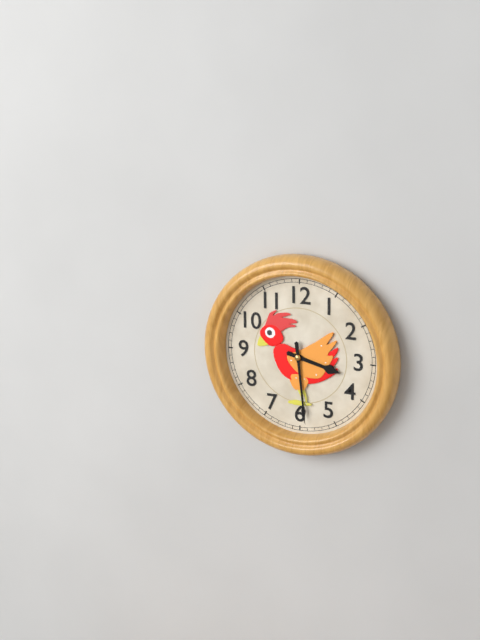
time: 3:29
